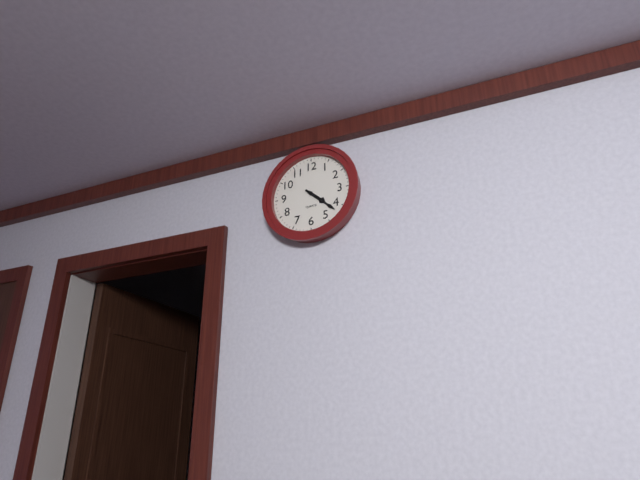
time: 4:22
